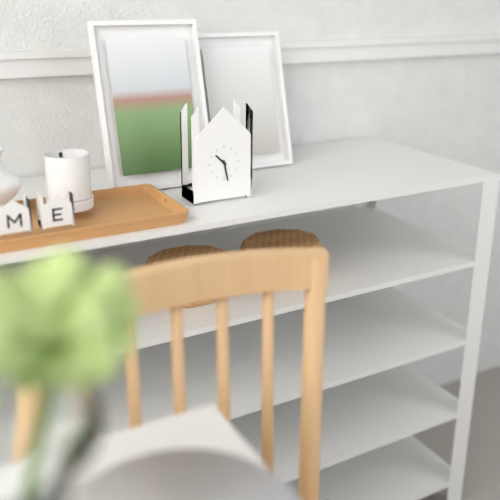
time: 10:28
